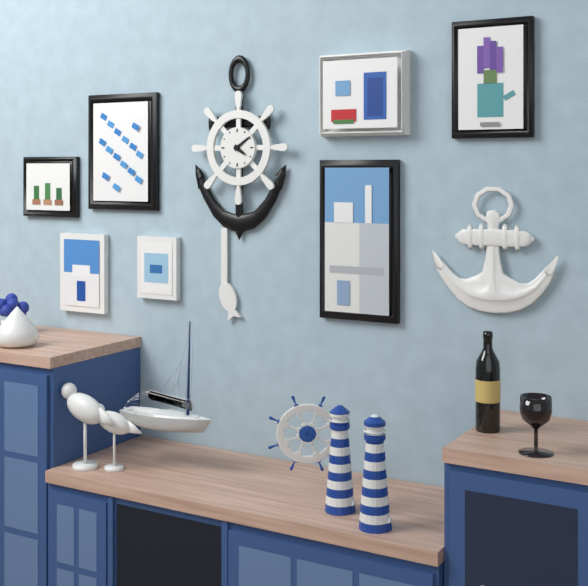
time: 4:09
